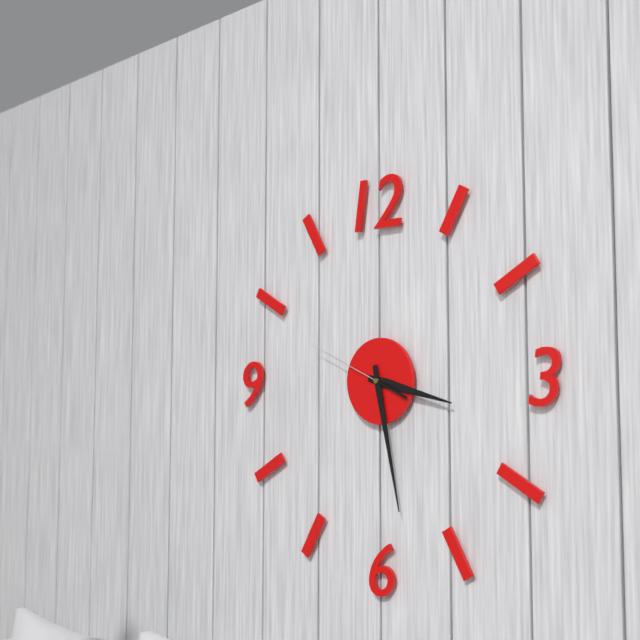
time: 3:28:49
